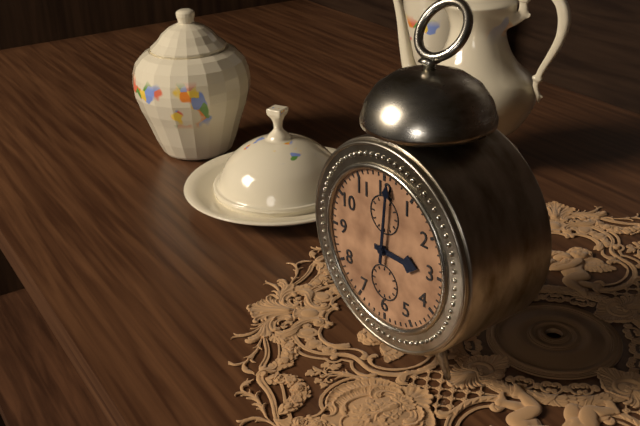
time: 3:01
